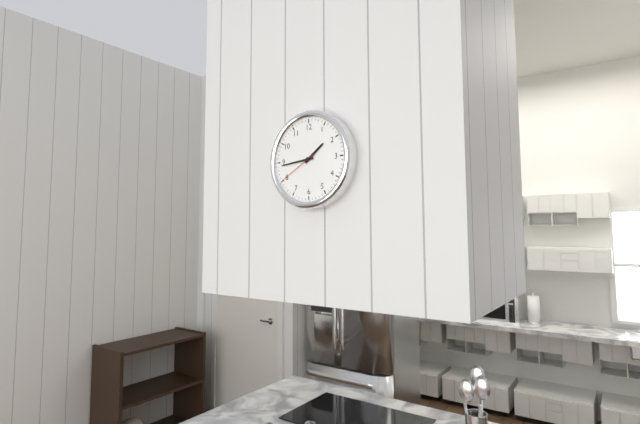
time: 1:44
